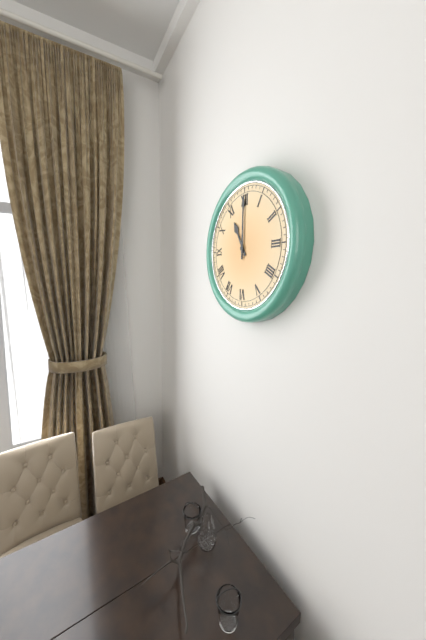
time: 11:00
